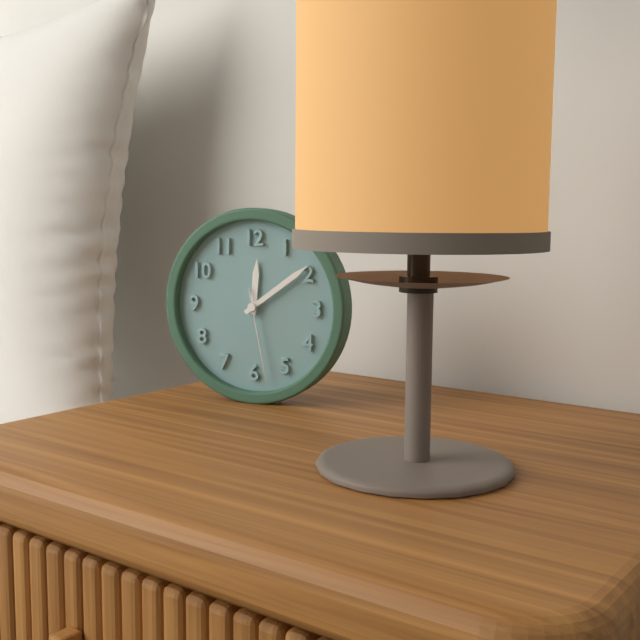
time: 12:09:28
